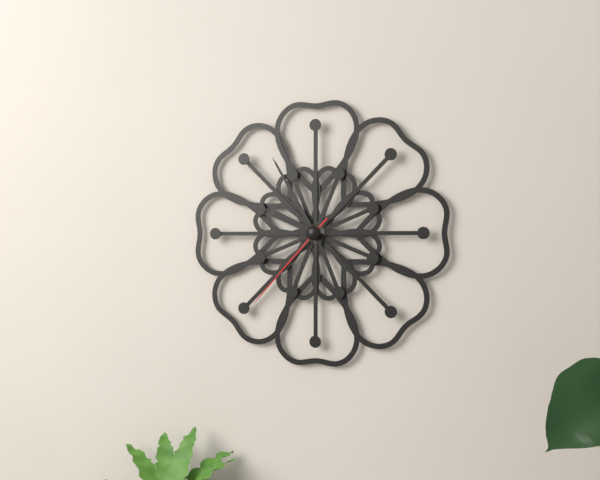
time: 9:55:37
